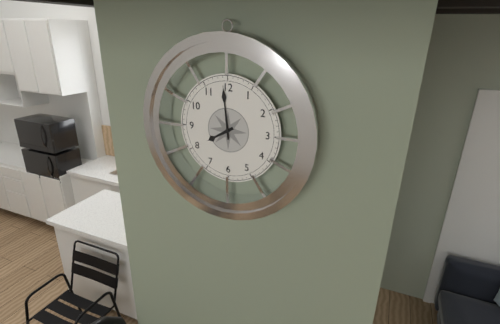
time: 7:59
